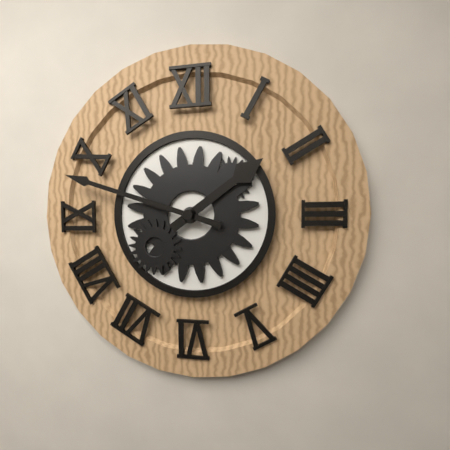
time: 1:48
